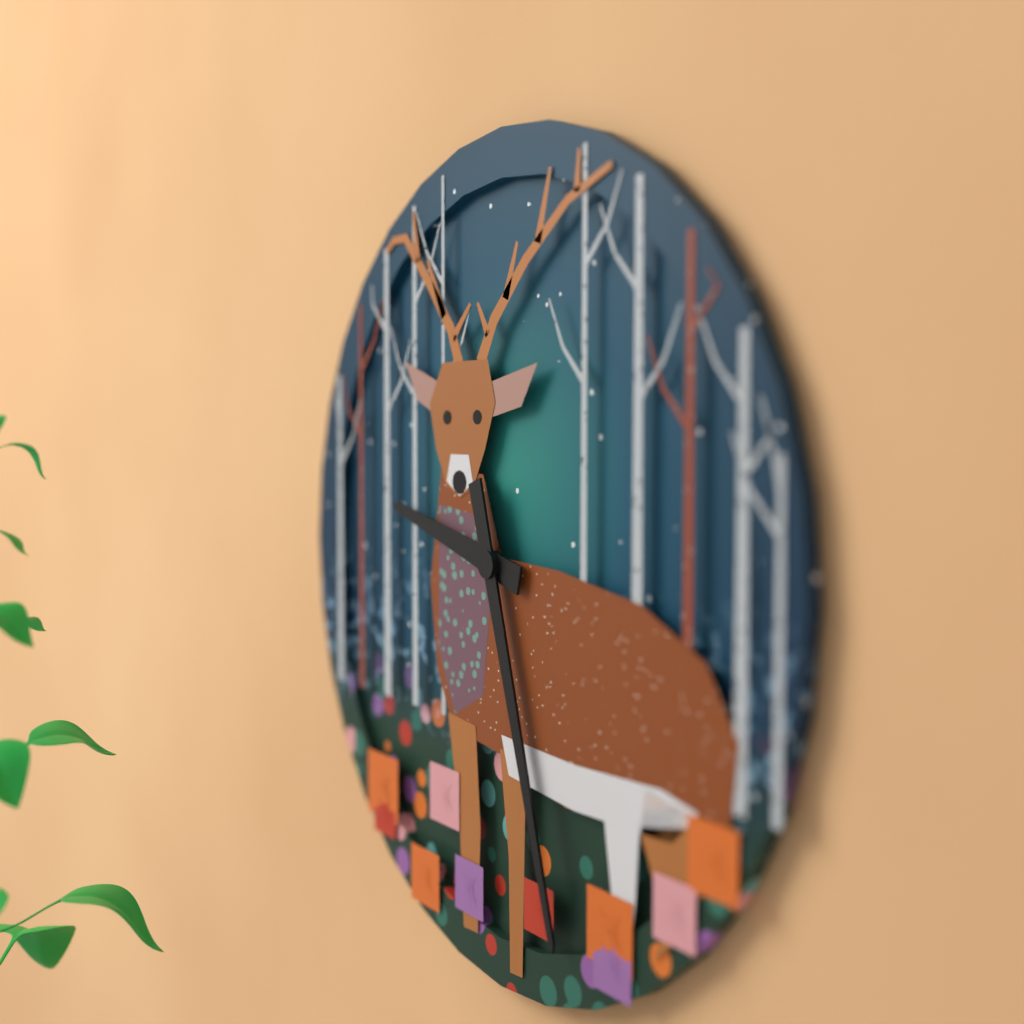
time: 9:27
